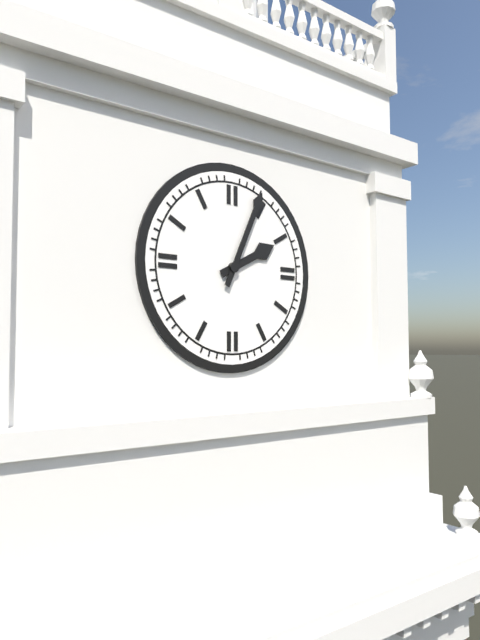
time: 2:04
